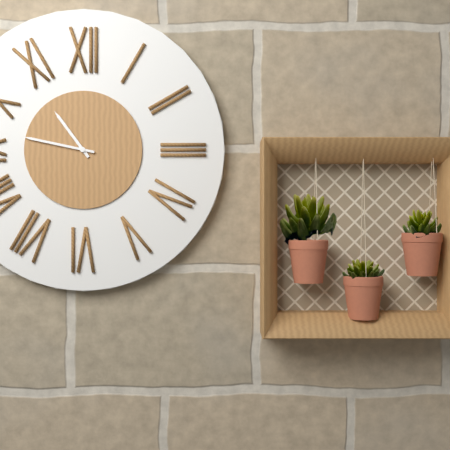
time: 10:47
